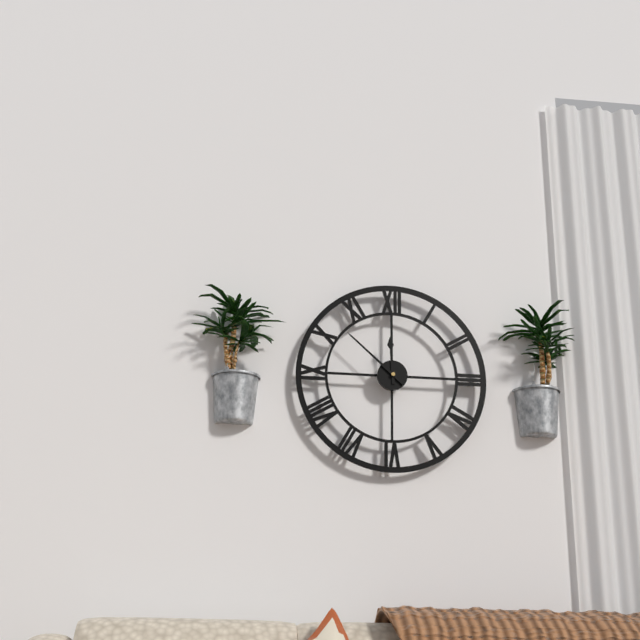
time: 11:52
